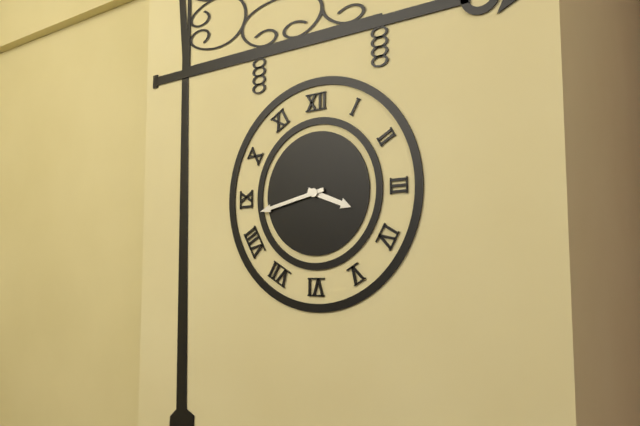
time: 3:43
